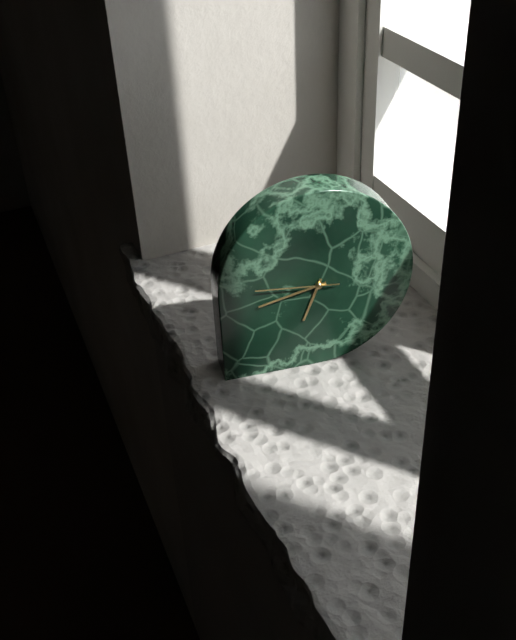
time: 6:43:46
